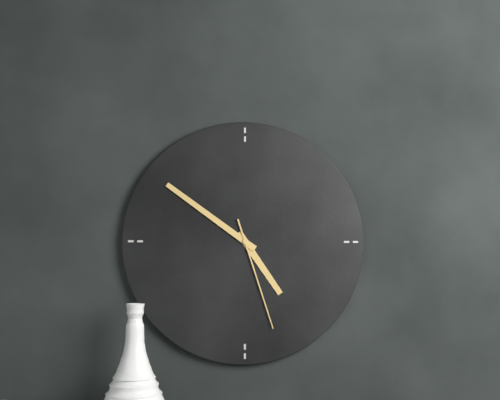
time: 4:51:27
